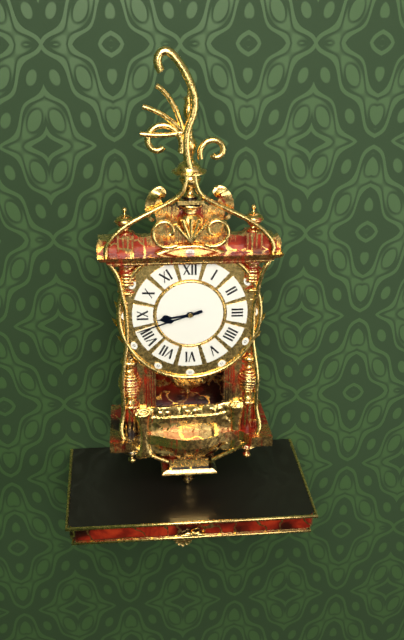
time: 8:42
